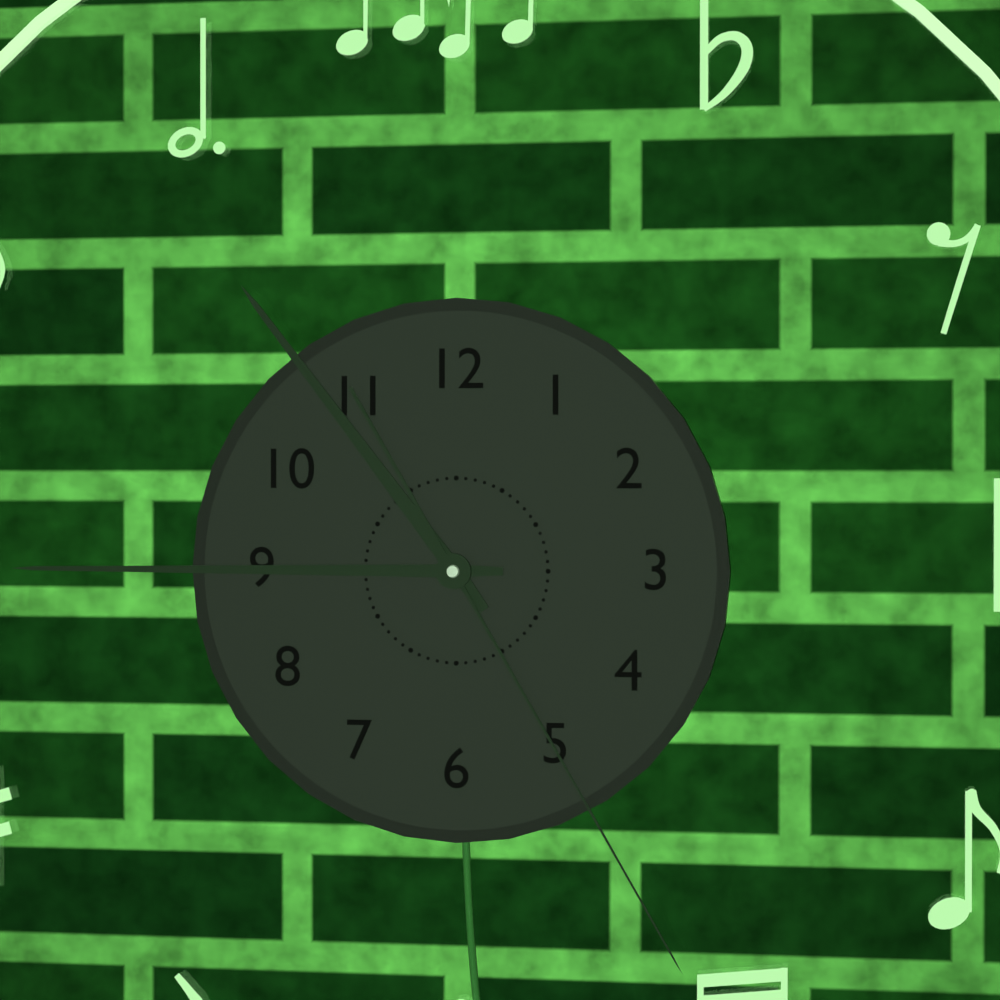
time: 10:45:25
